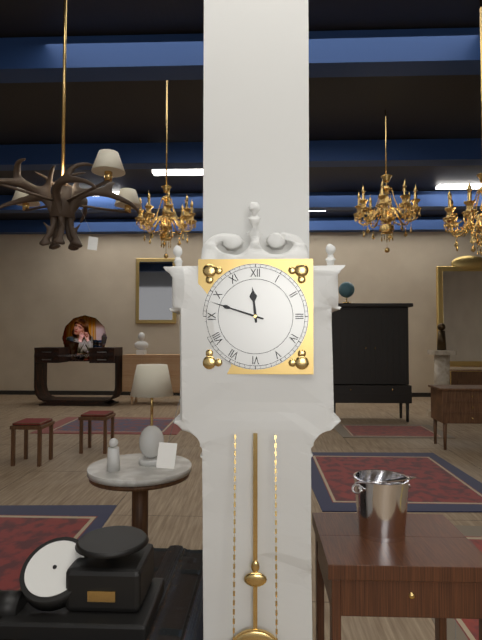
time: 11:48
